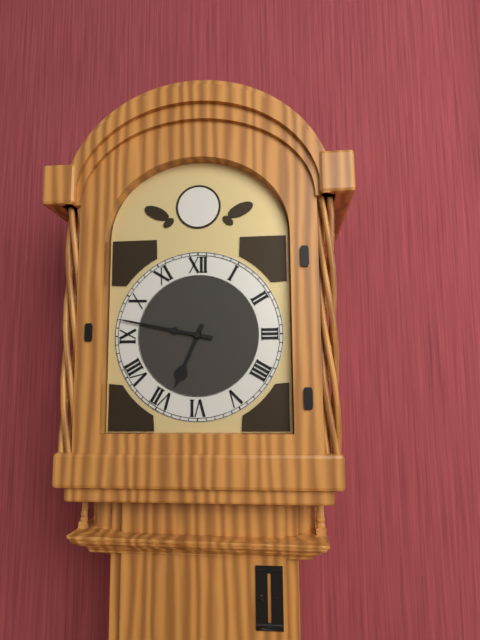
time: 6:47
